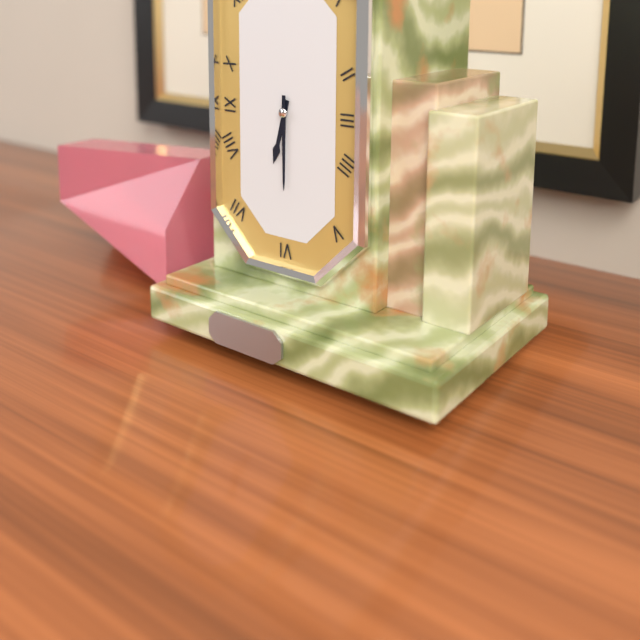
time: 6:30
